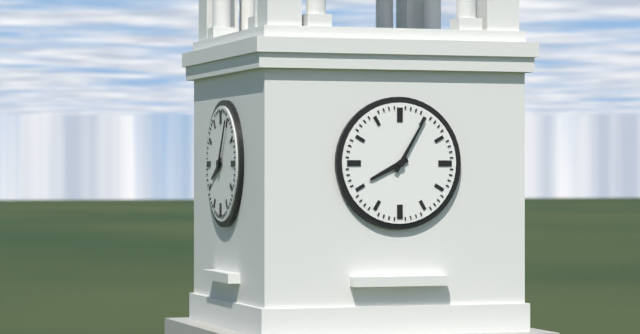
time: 8:05
